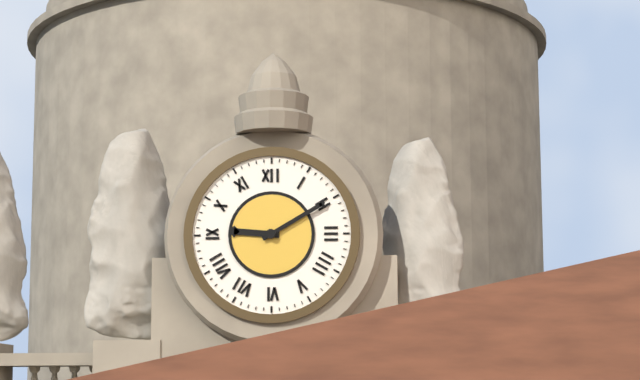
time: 9:10
